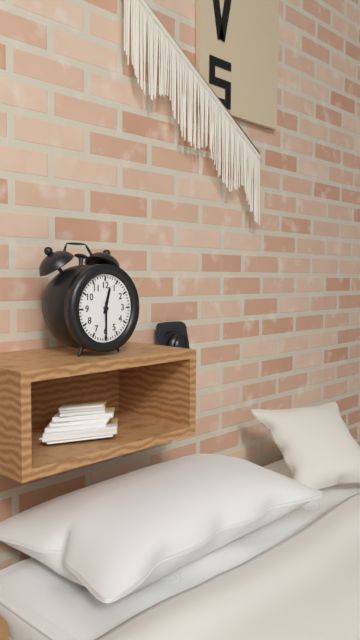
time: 12:30
